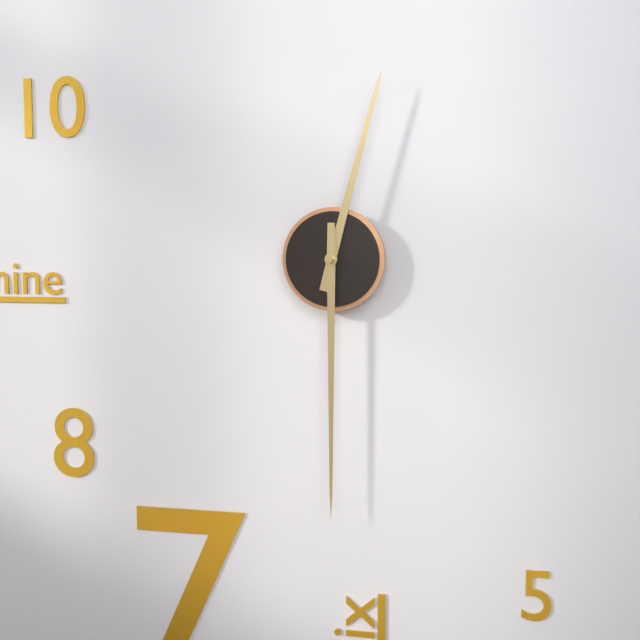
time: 12:30
